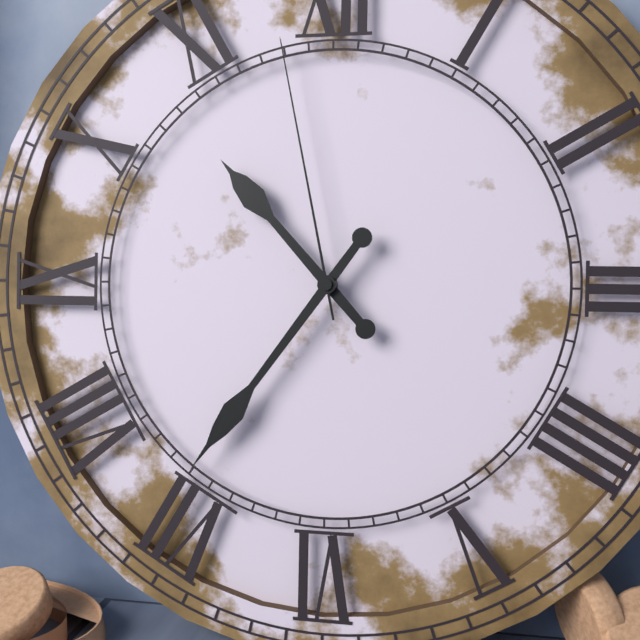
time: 10:36:58
